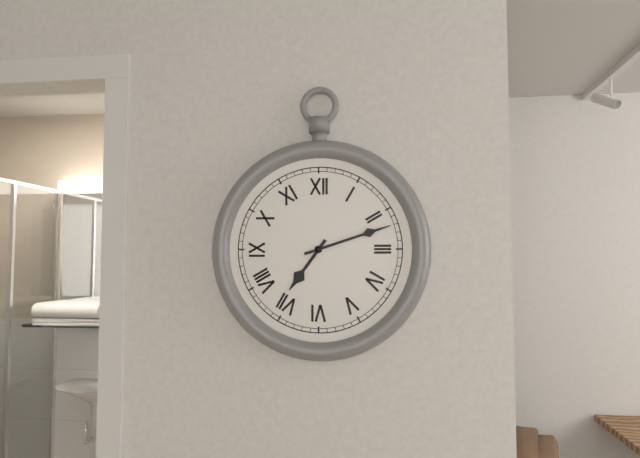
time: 7:12
